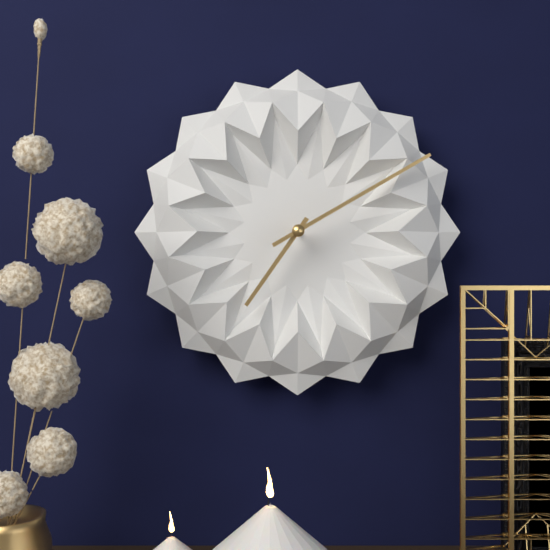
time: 7:10
